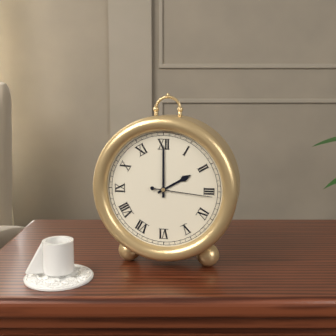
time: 2:00:16
